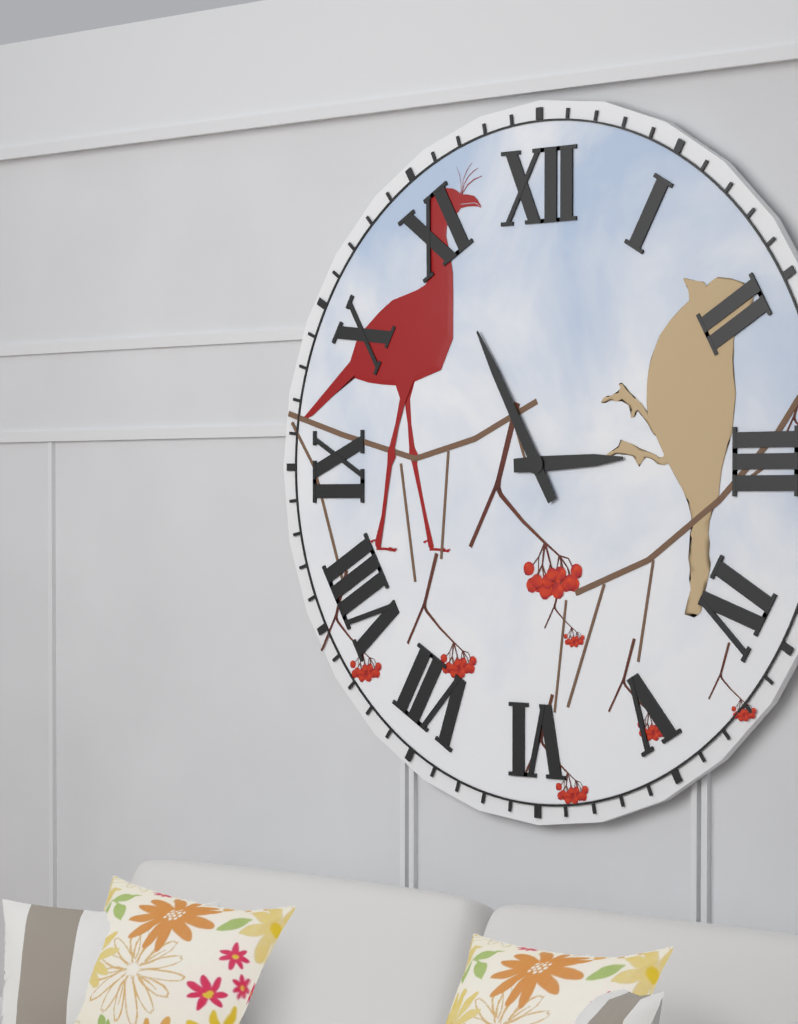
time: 2:55
